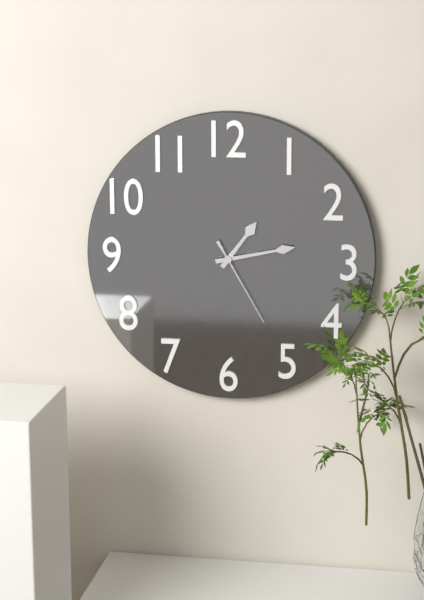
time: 1:13:25
